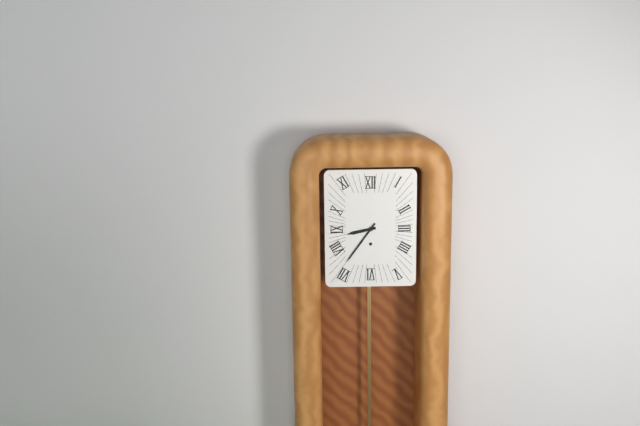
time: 8:36
